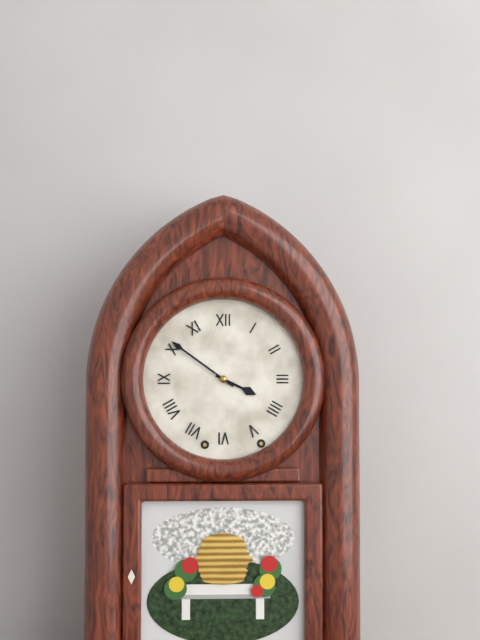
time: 3:51
